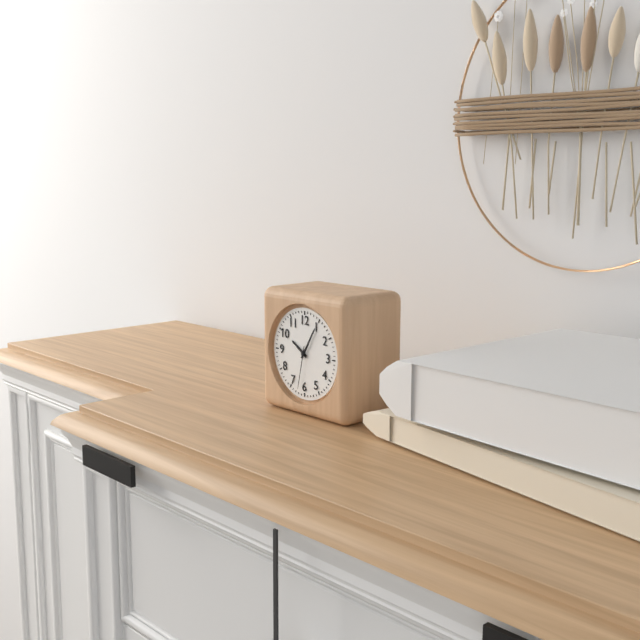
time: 10:05
